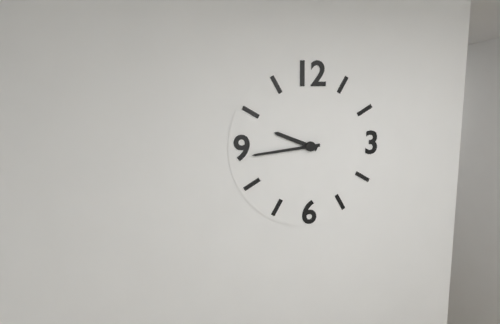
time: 9:44
